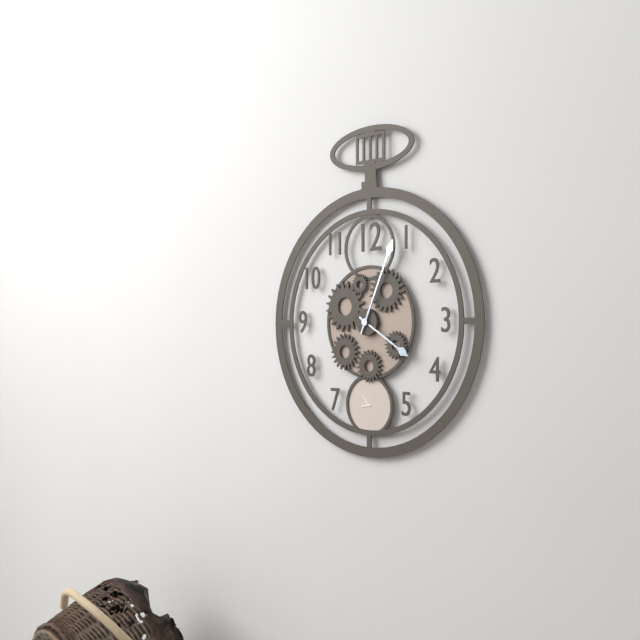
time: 4:04
